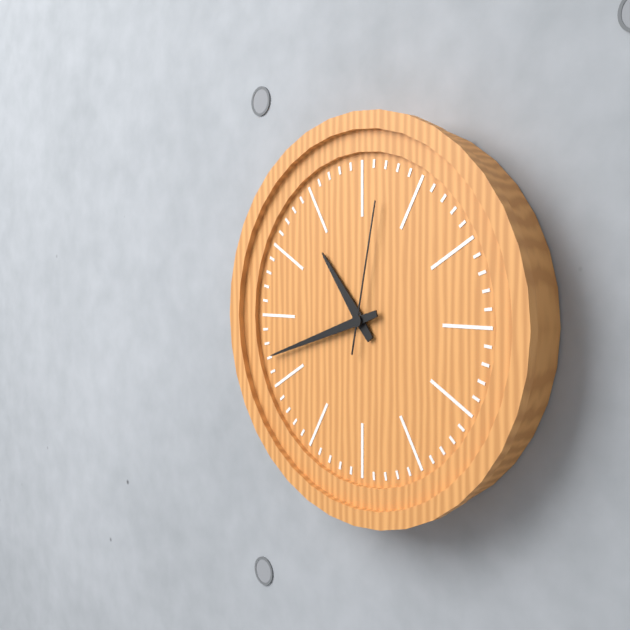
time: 10:42:02
